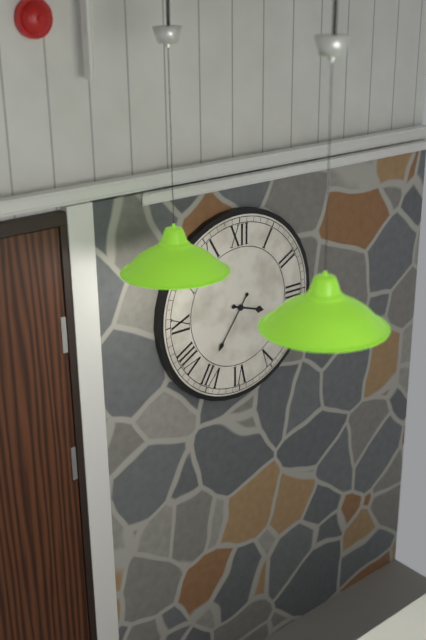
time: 3:36
